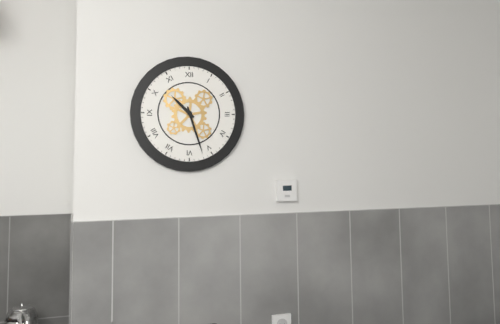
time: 10:27
